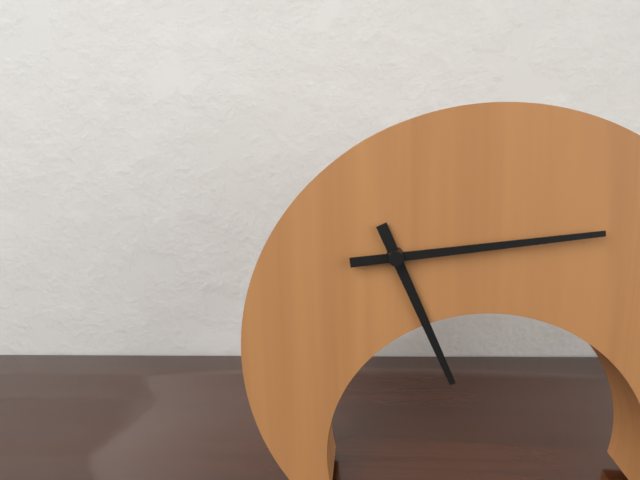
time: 5:14
